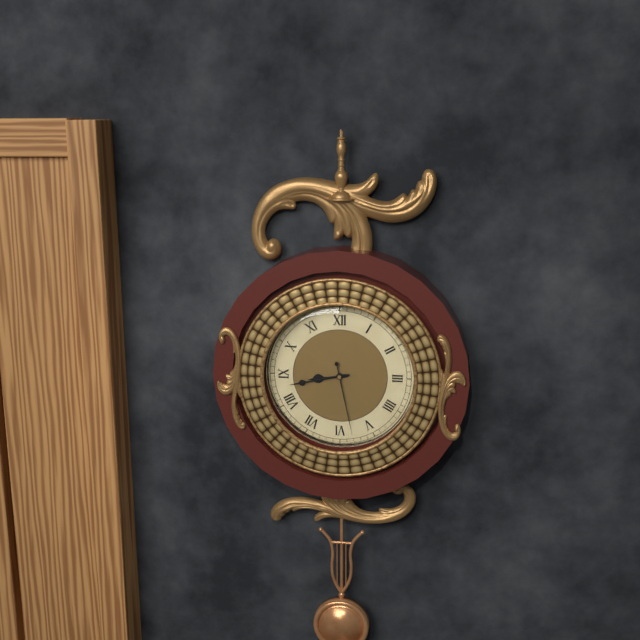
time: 8:43:28
